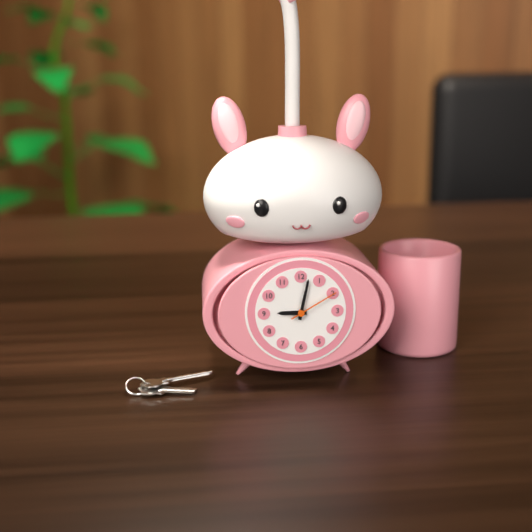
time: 9:02:10
